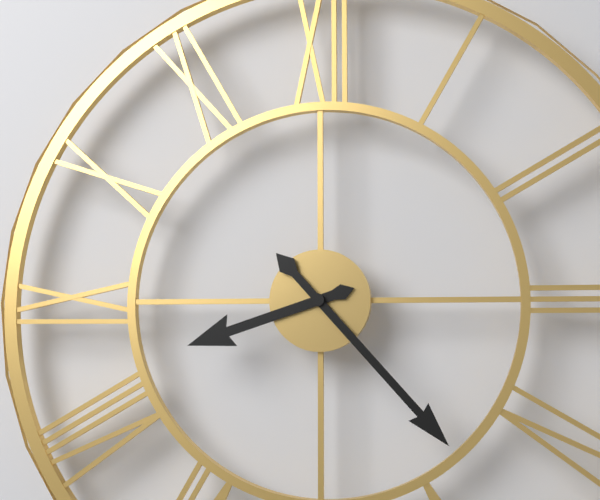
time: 8:23
